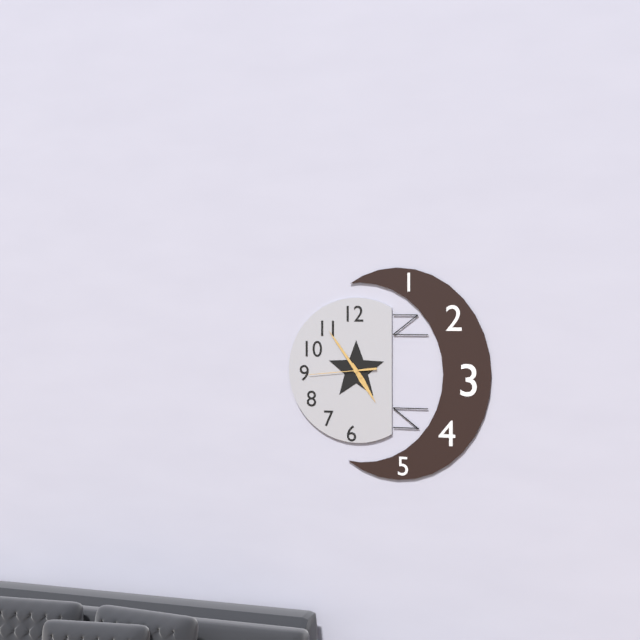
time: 4:54:44
